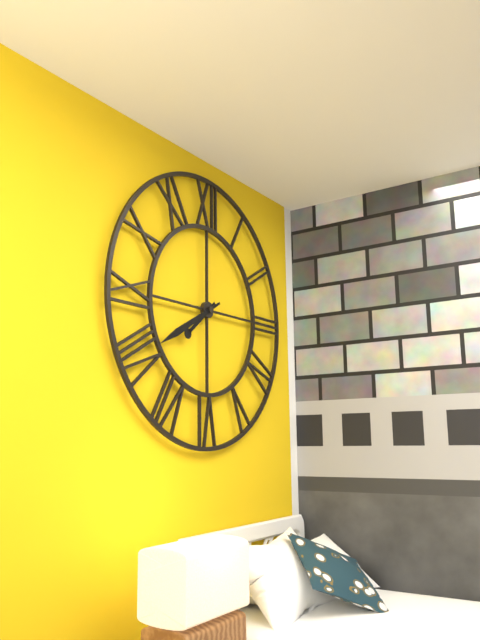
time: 7:40
